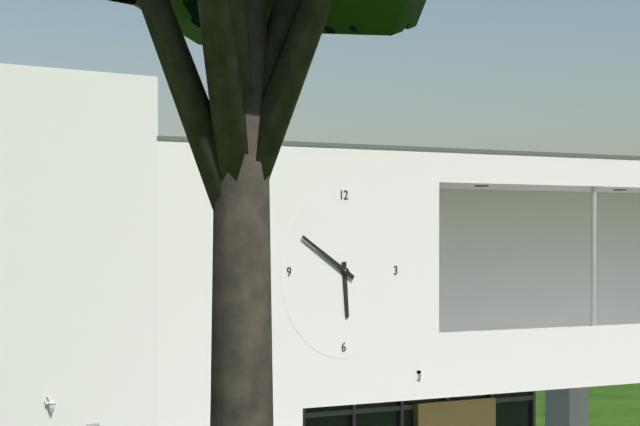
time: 5:50
